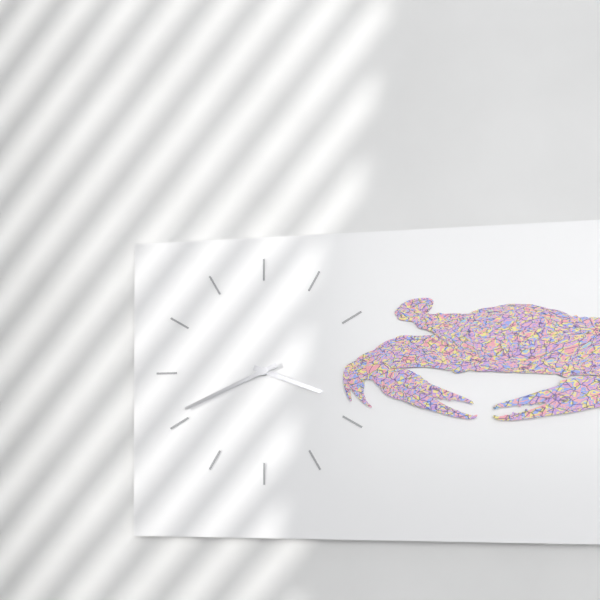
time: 3:41
